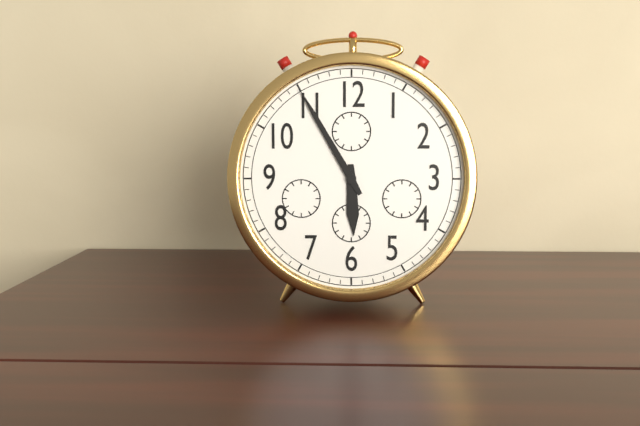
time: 5:55
